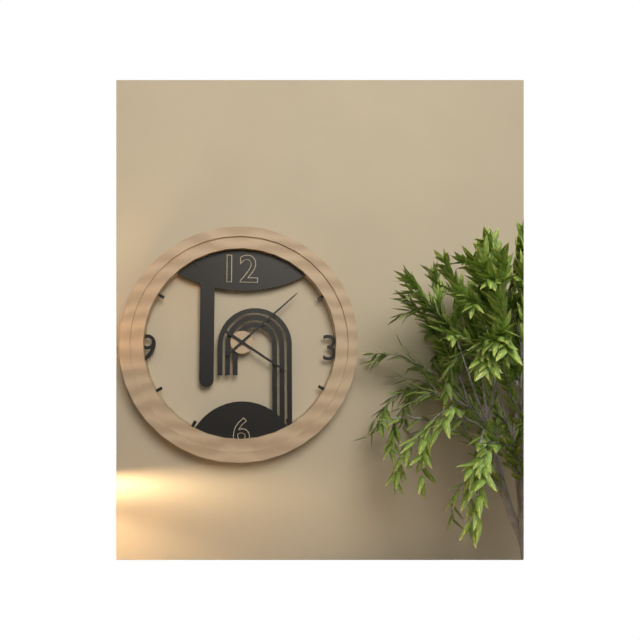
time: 4:08
